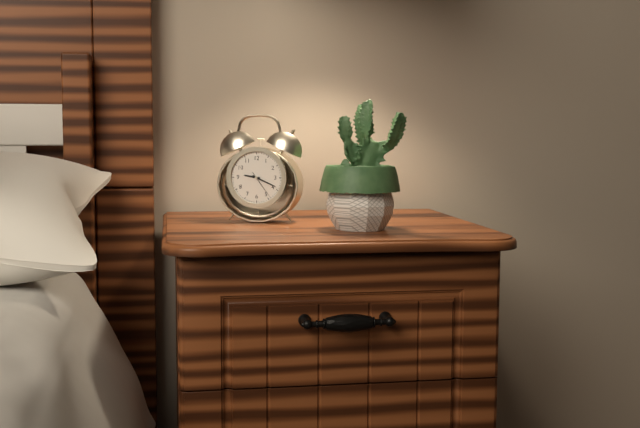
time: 9:19
